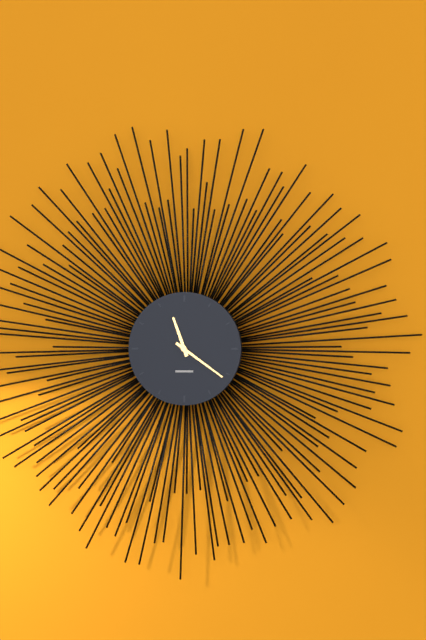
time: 11:21
